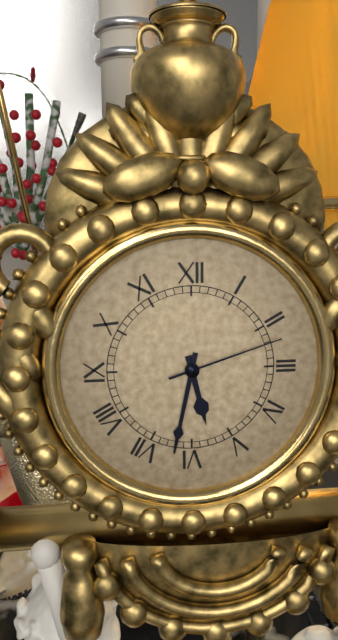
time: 5:32:12
